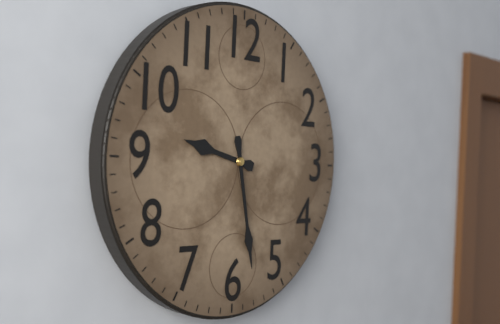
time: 9:28
